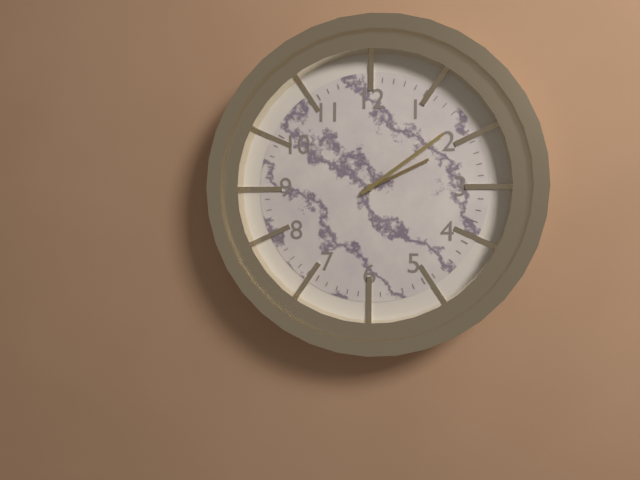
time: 2:09
